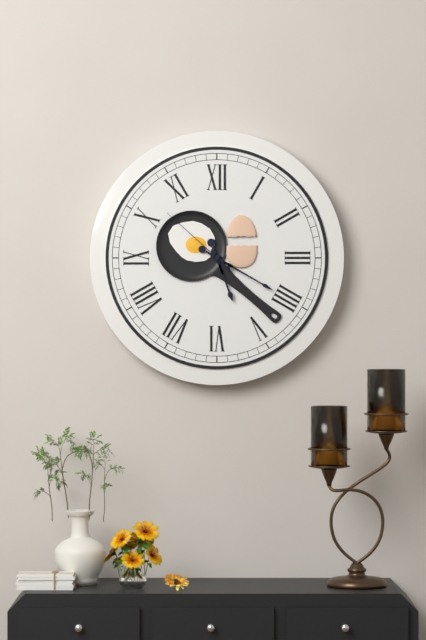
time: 5:20:52
